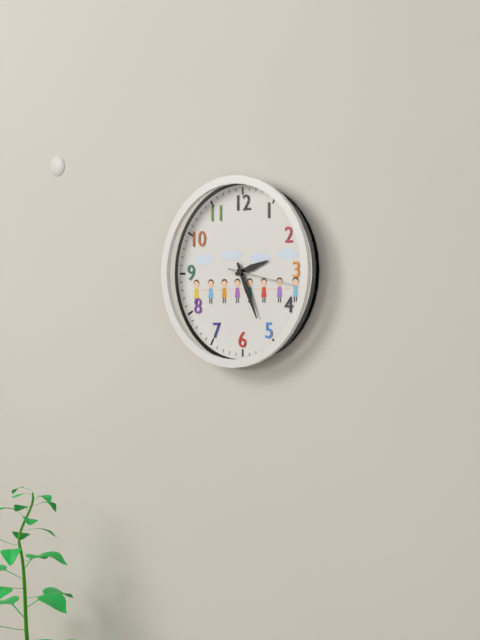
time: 2:26:17
